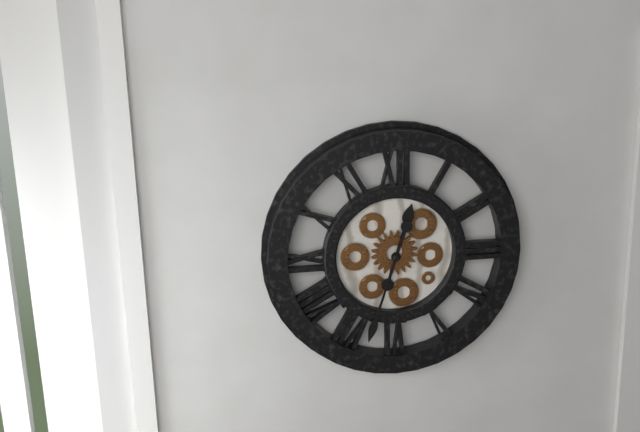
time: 12:33
